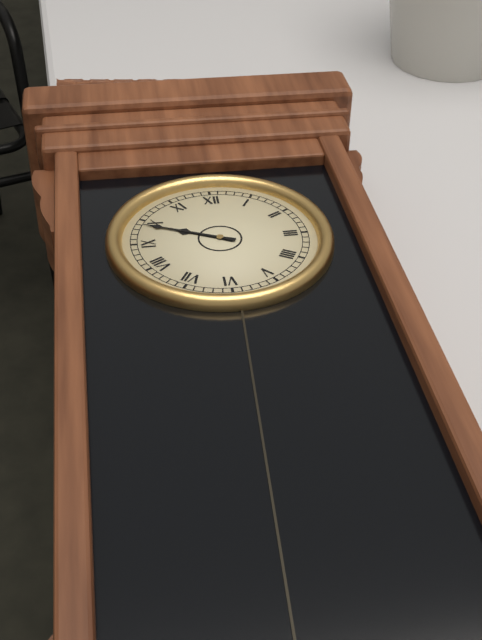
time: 9:49
